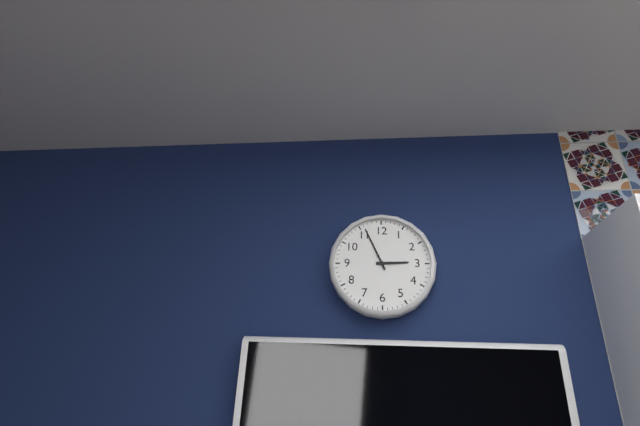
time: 2:56
